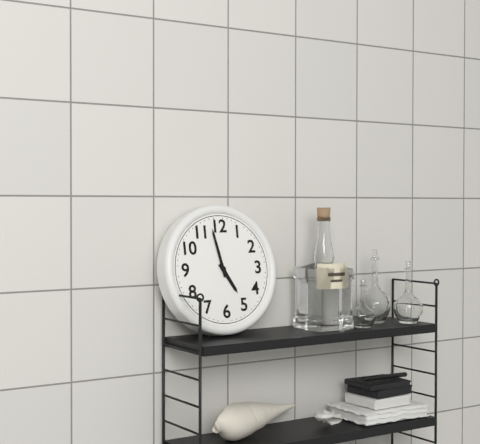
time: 4:58
